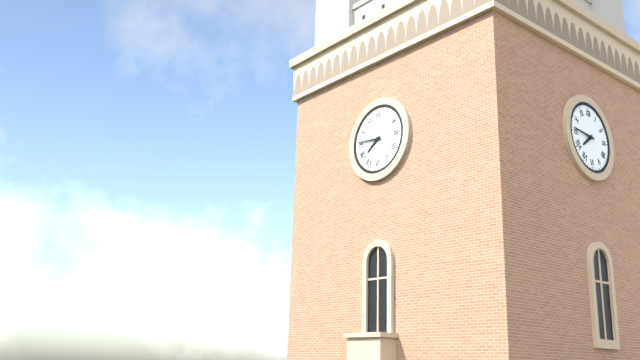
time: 7:46
